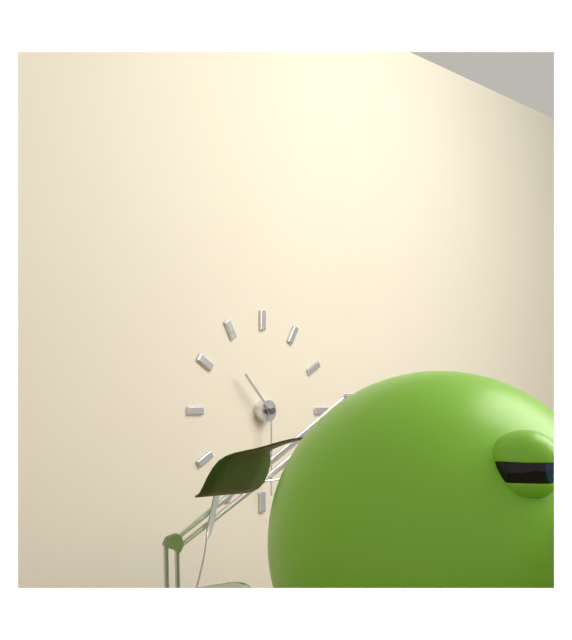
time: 10:30
